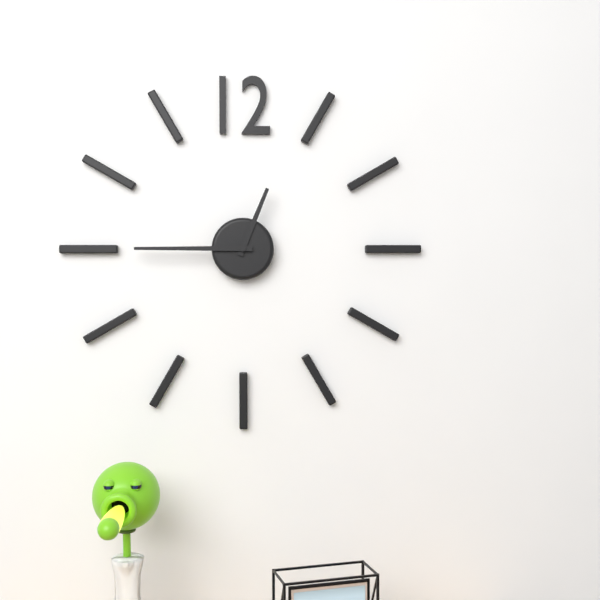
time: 12:45
